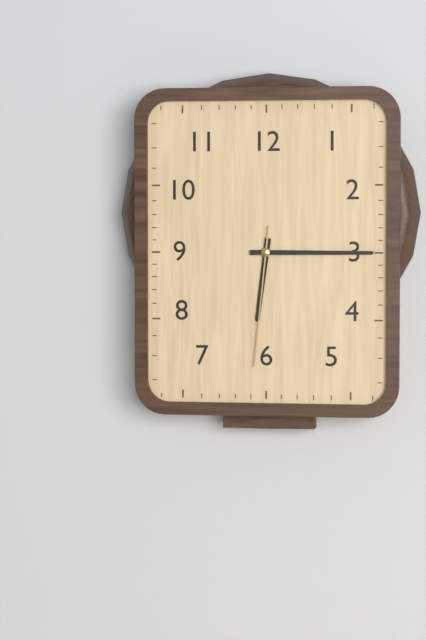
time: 6:15:31
